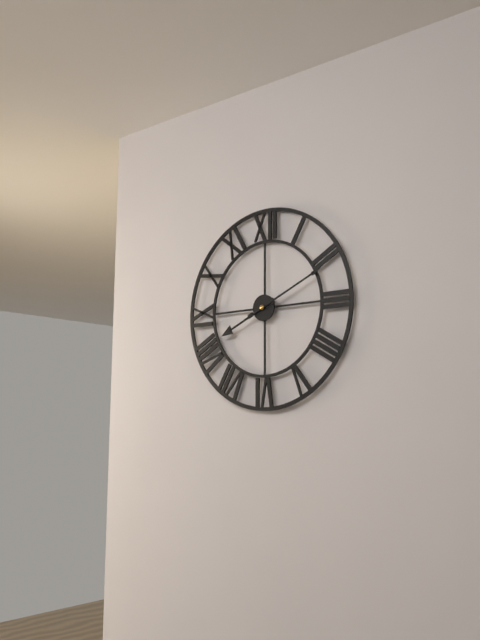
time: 8:11
